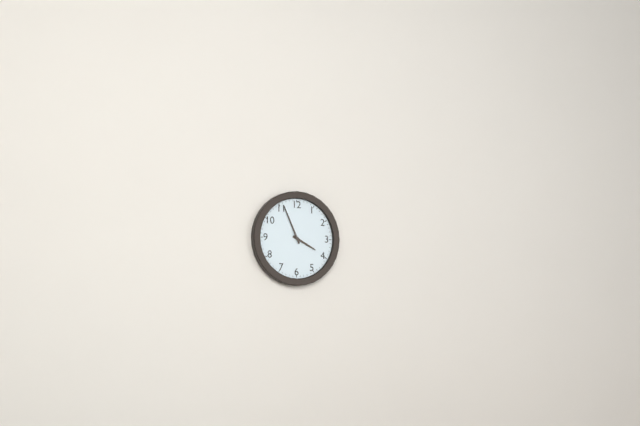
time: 3:56
